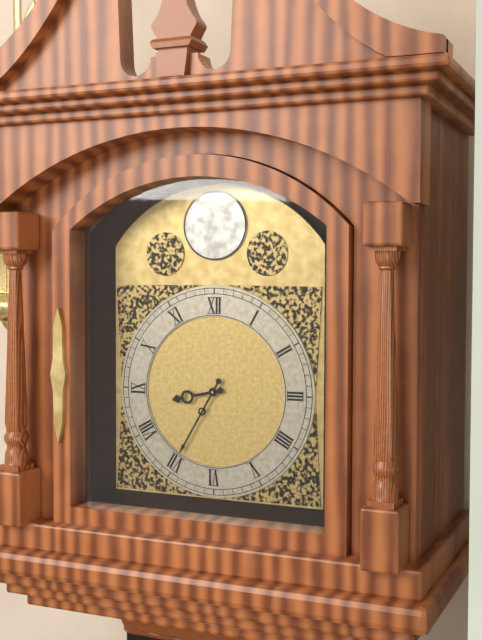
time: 8:35
